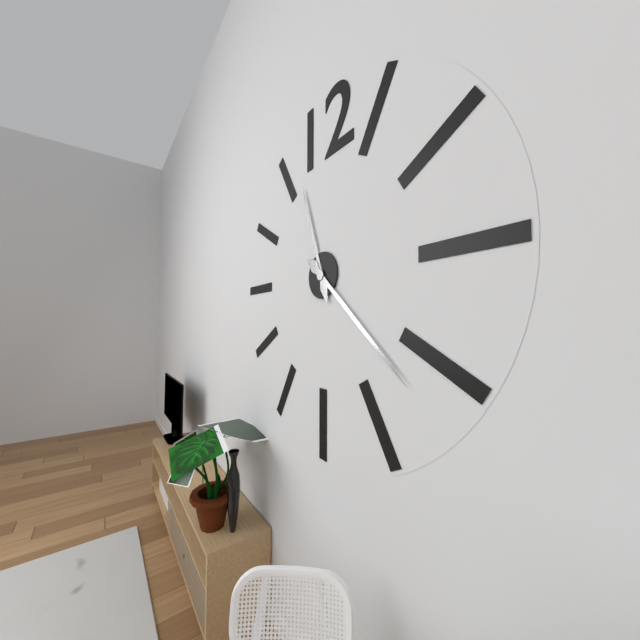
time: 11:22
